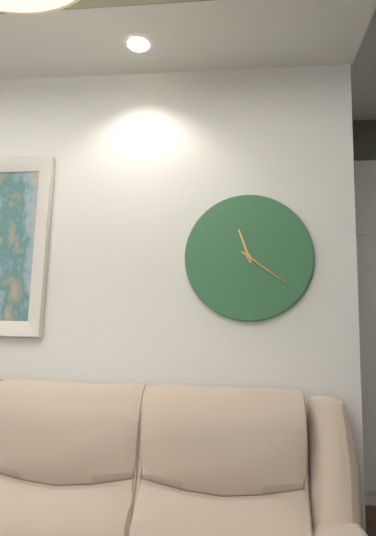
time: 11:21
